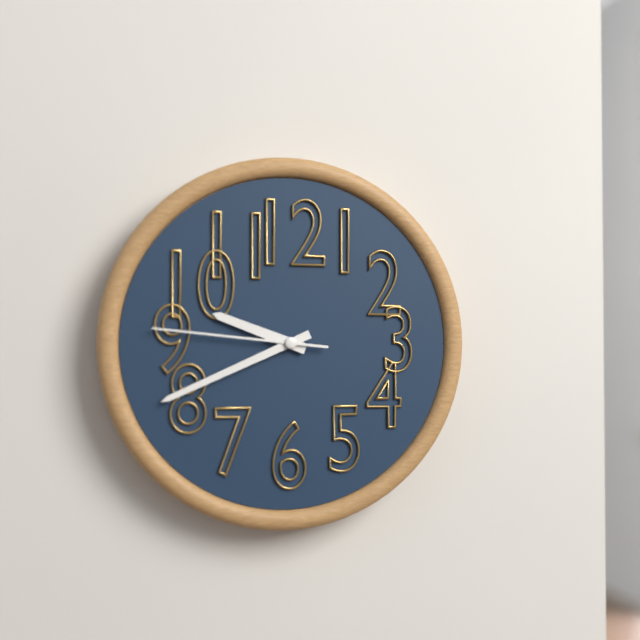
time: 9:41:46
